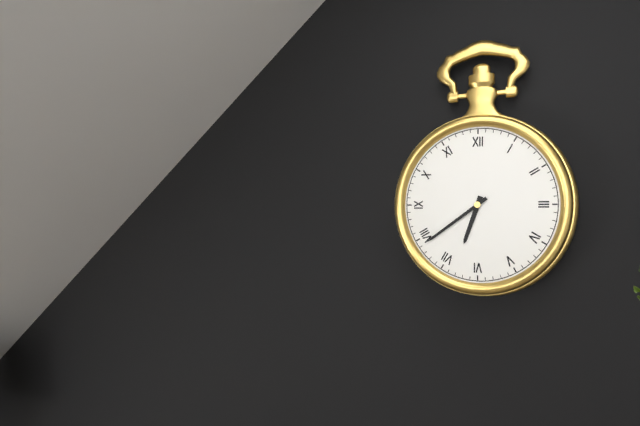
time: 6:39
